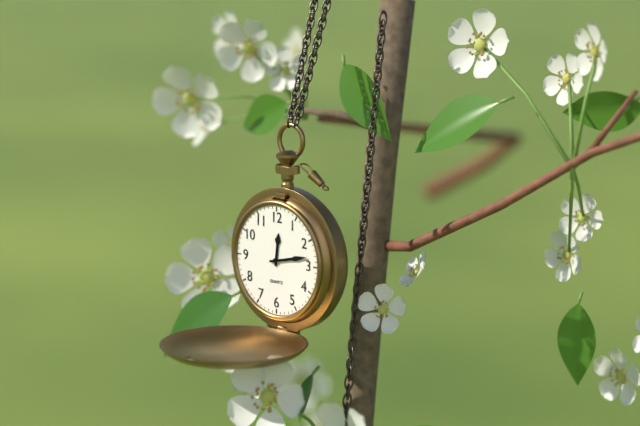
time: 12:13
